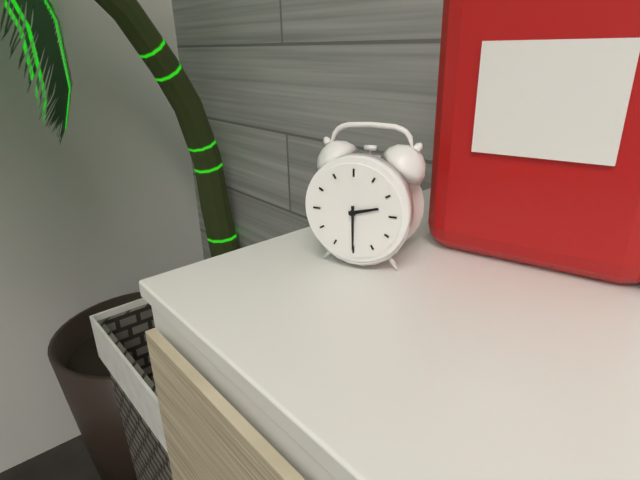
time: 2:30
